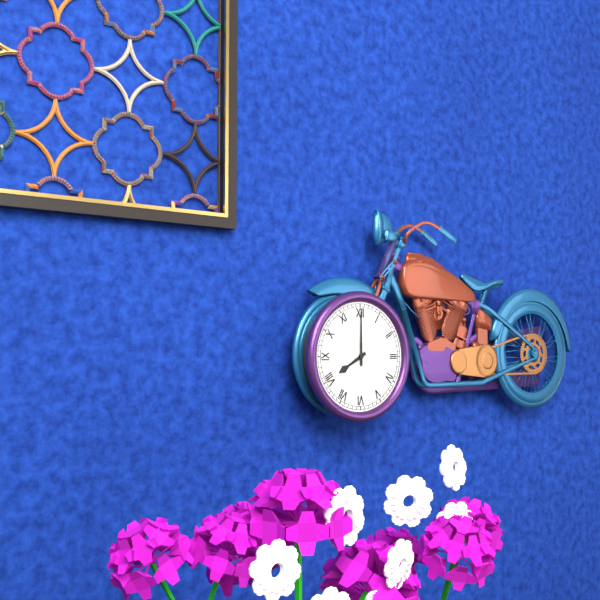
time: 8:00
